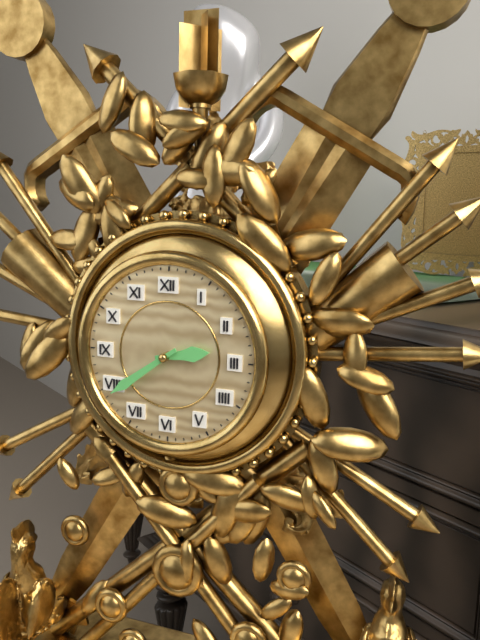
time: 2:39
